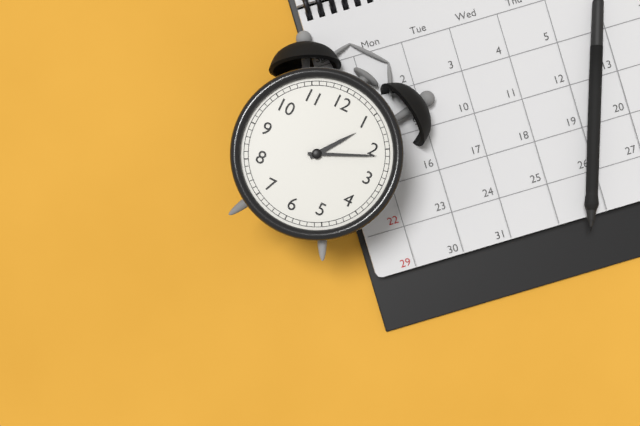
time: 1:11
